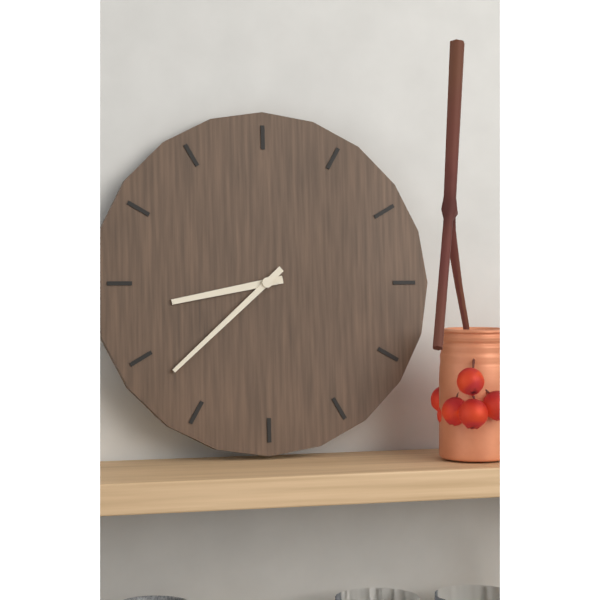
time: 8:38
